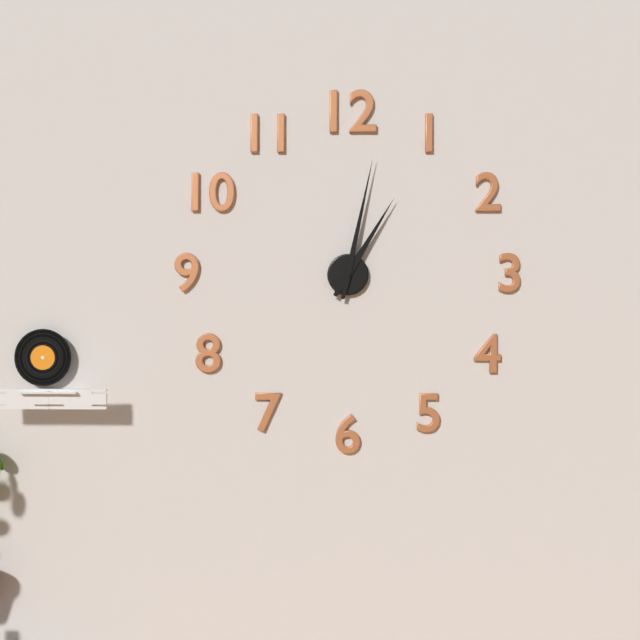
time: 1:02
